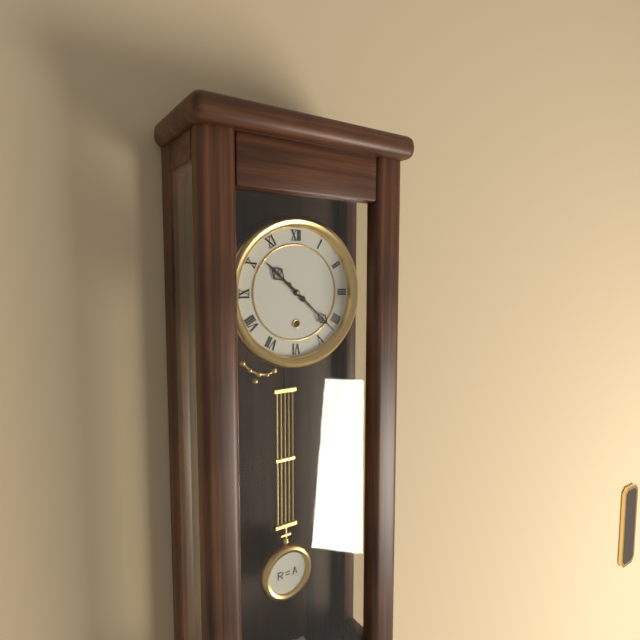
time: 10:22
